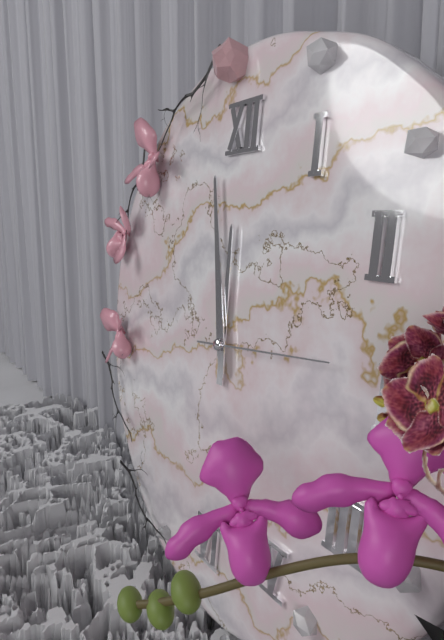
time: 11:58:14
